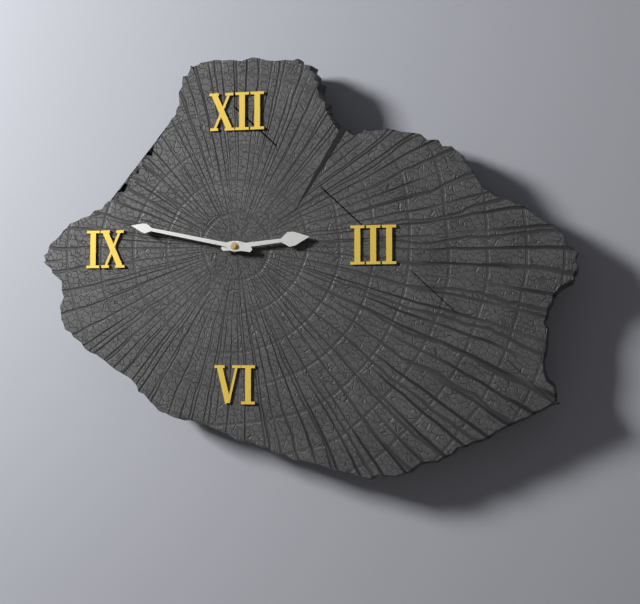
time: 2:47
